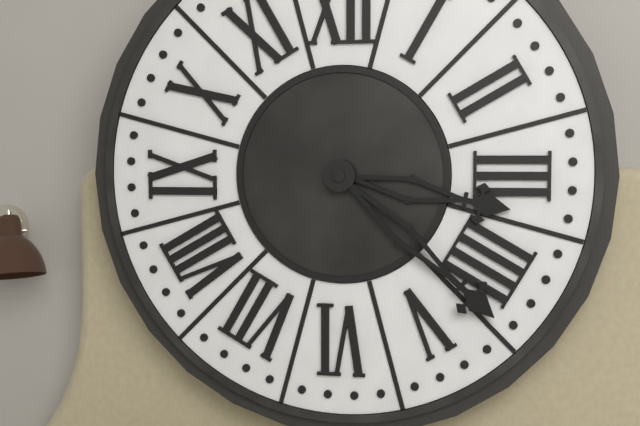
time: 3:22
